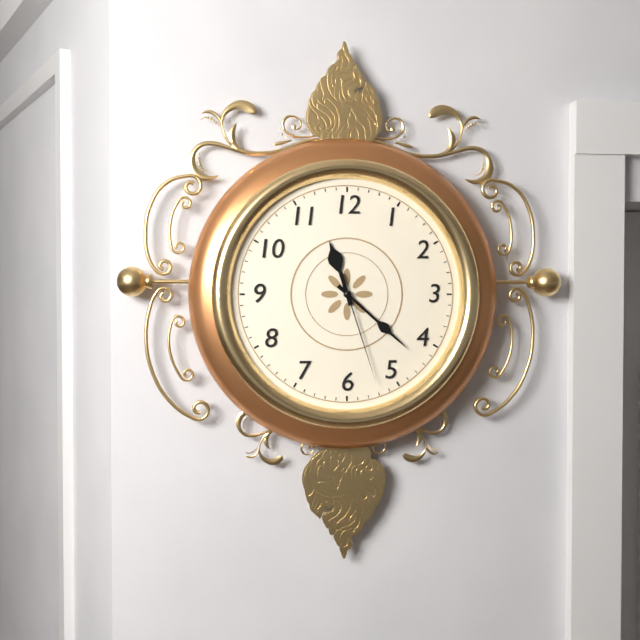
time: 11:22:27
